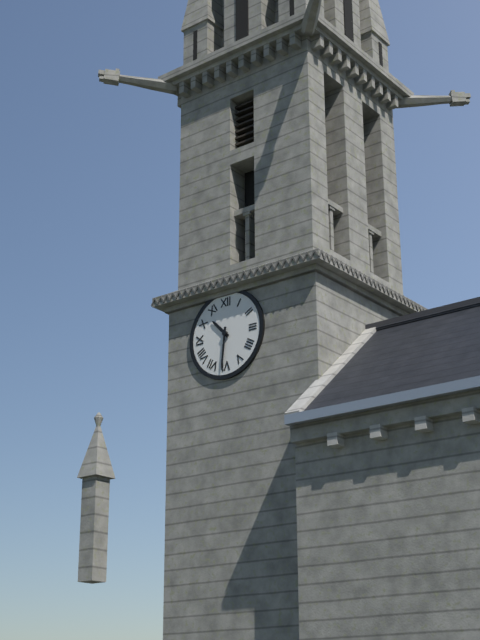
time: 10:31
